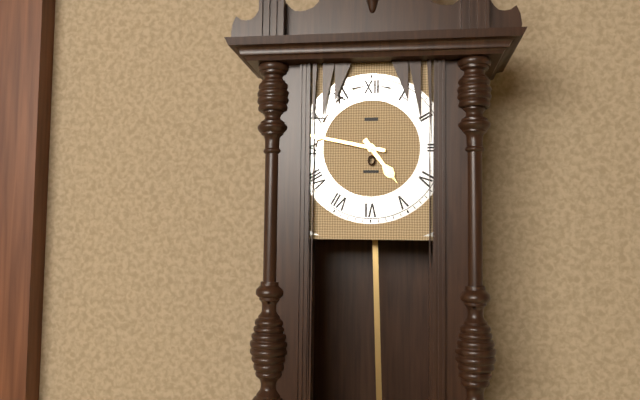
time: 4:47
